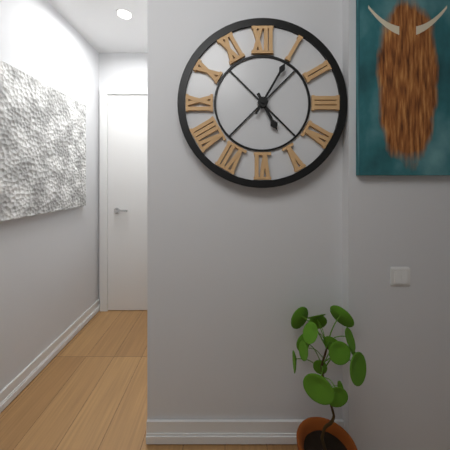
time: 5:05
